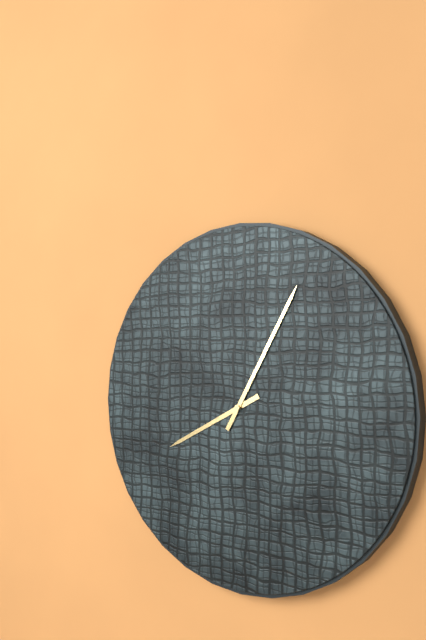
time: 8:05
